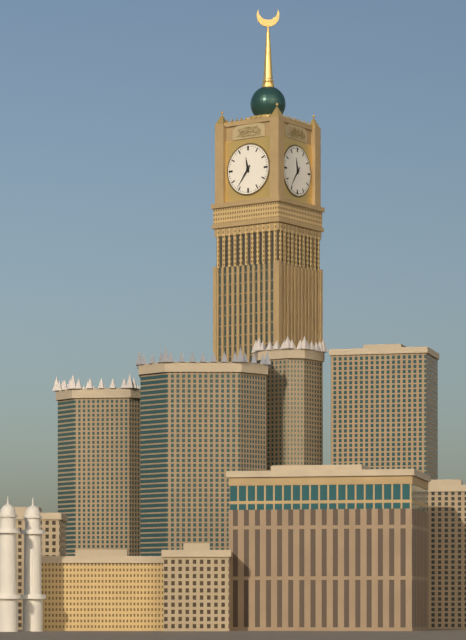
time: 11:36
